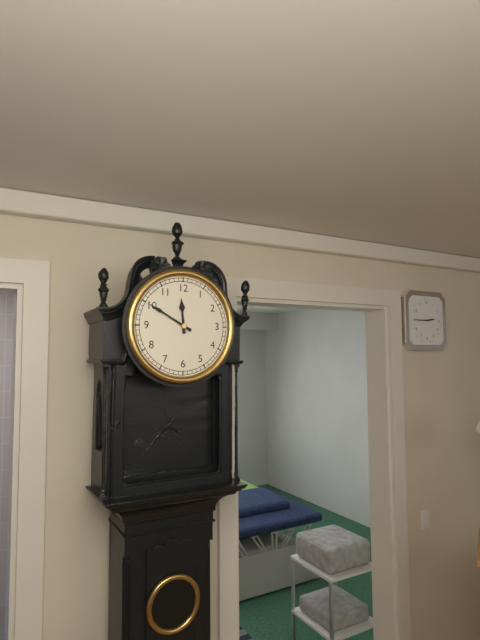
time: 11:50
